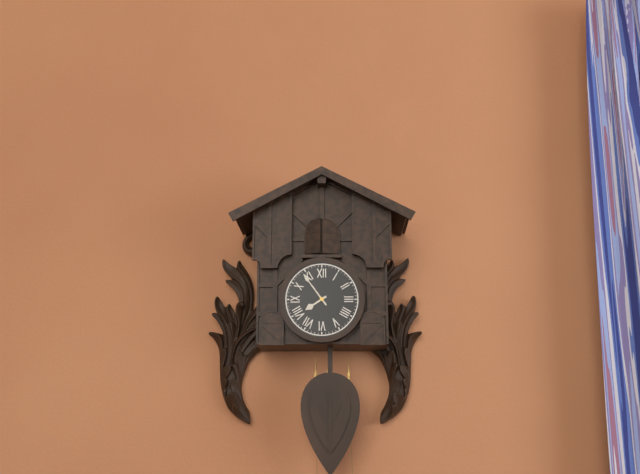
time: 7:54
